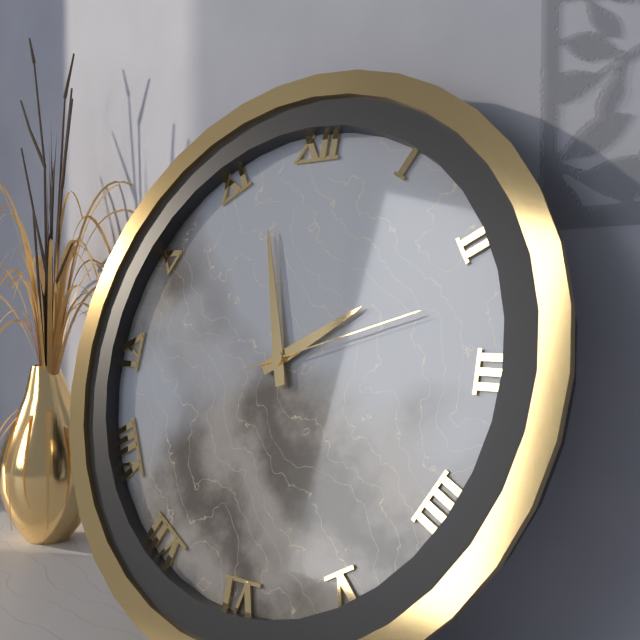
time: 1:57:12
